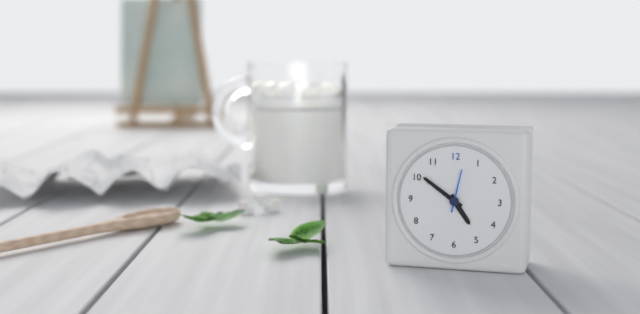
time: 4:51
